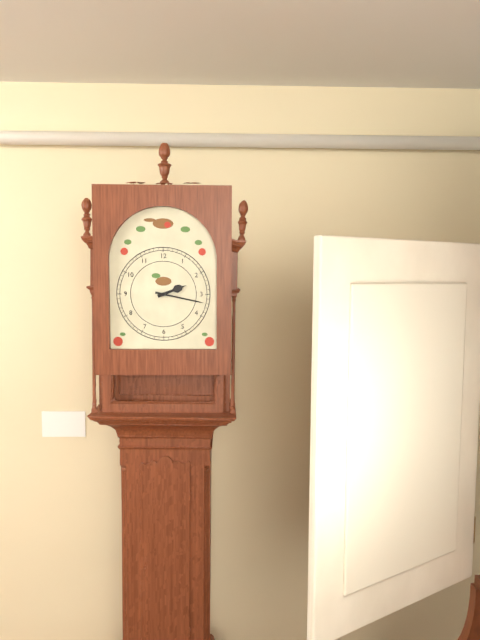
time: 2:17
